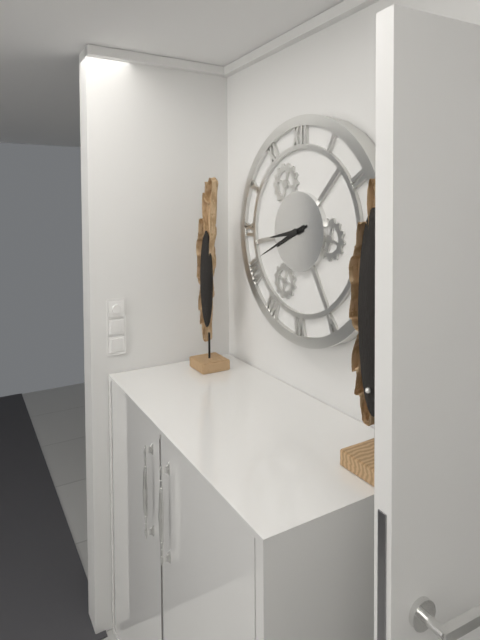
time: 8:41
